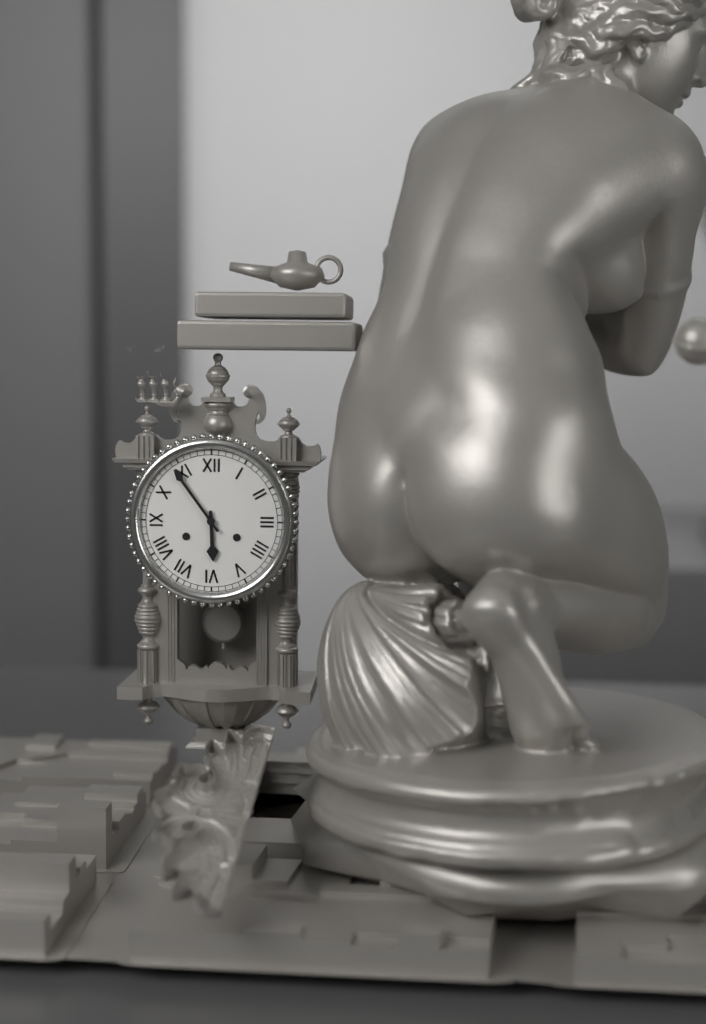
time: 5:54
